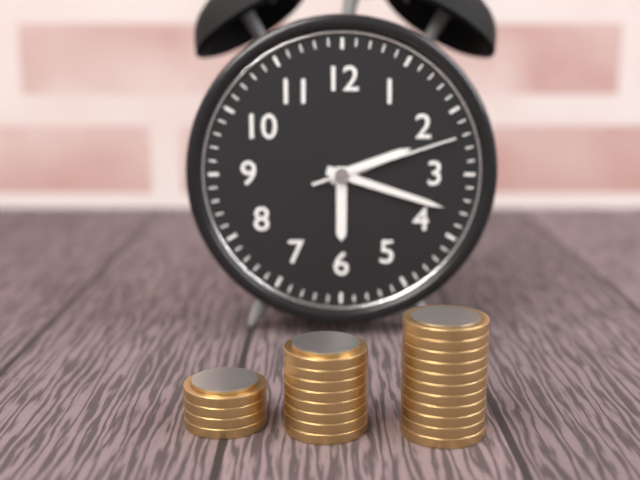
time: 2:18:12
